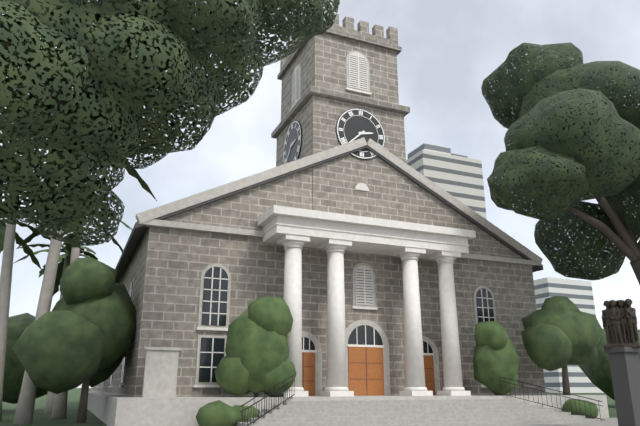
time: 2:38
